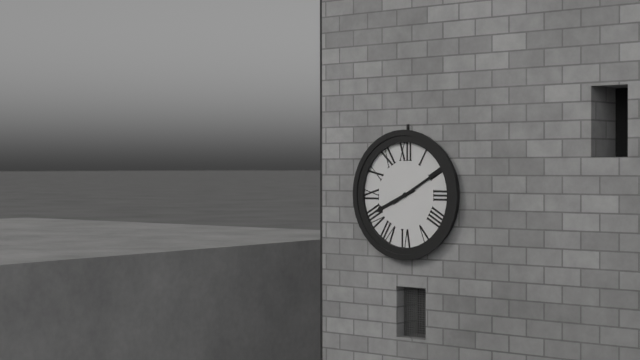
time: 8:10
